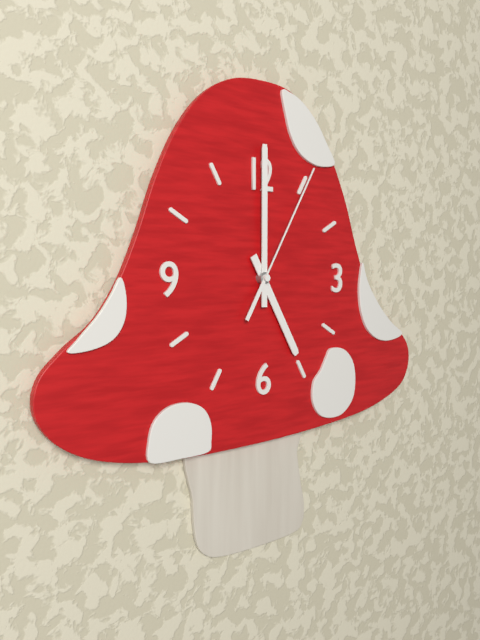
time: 5:00:05
